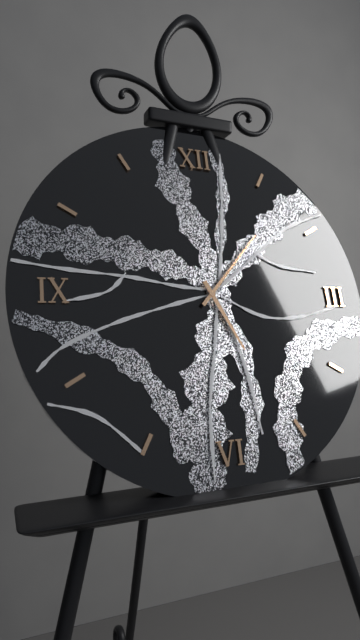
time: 5:07
